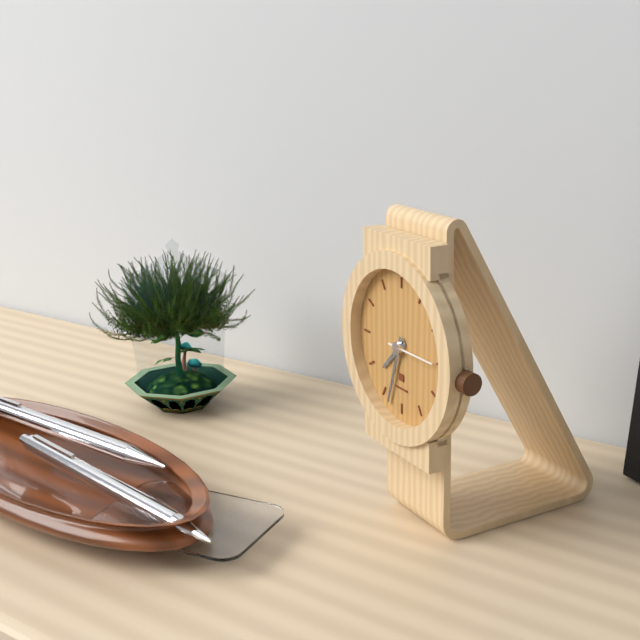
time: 7:33
